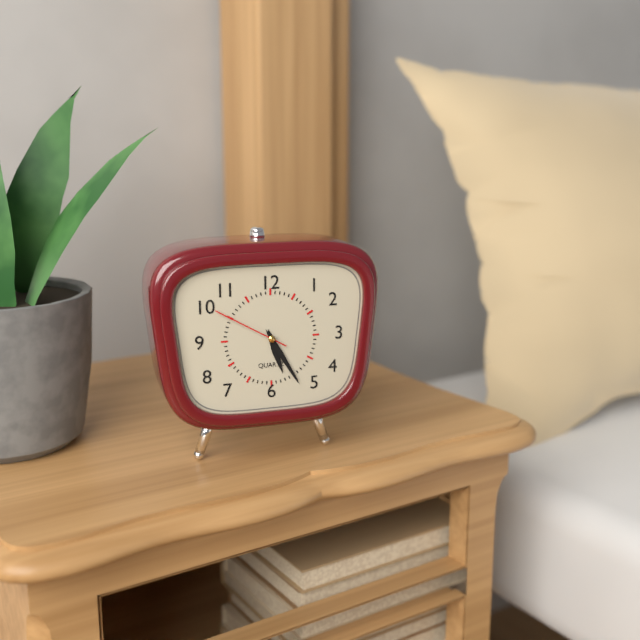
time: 5:25:50
